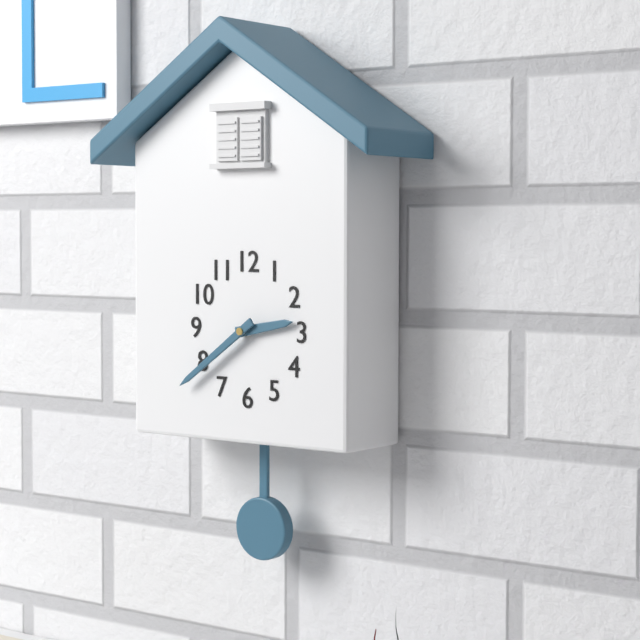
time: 2:39
